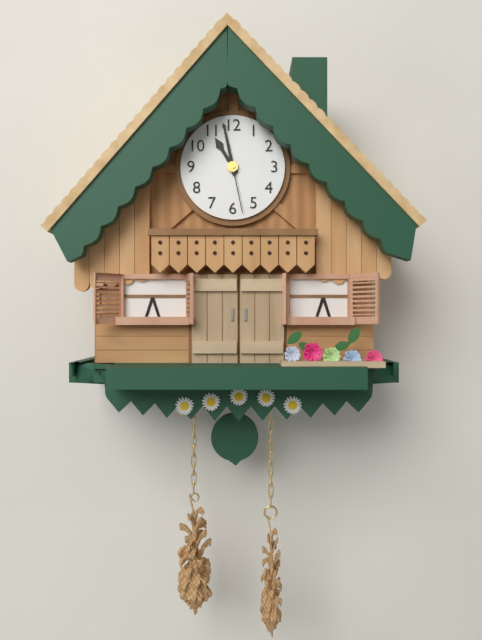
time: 10:58:28
